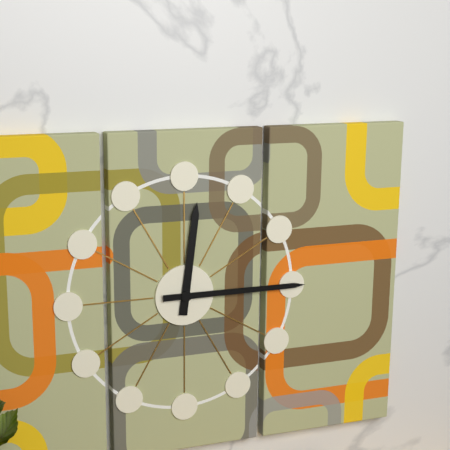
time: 12:15
